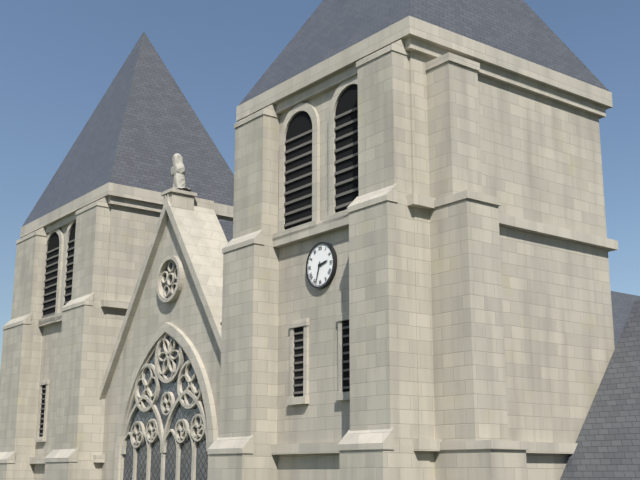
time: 2:33
